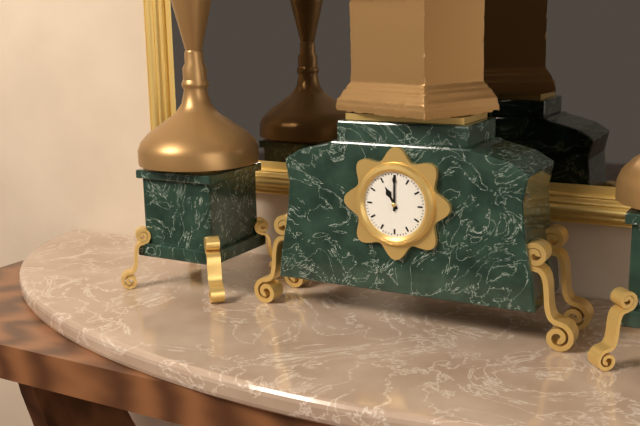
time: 11:00
